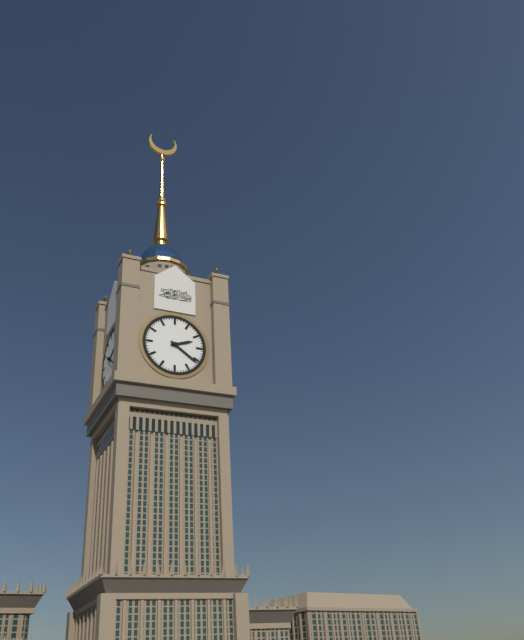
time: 2:21
